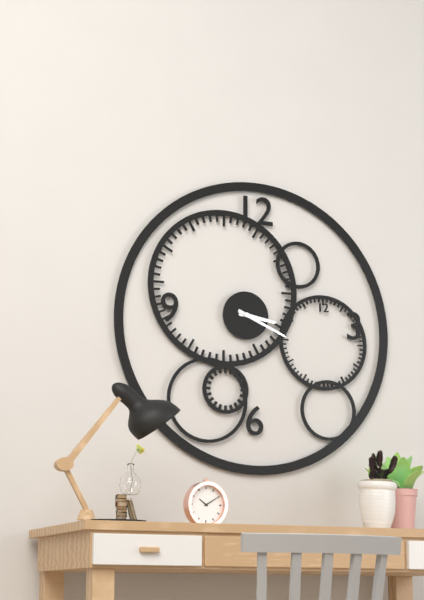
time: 3:19
